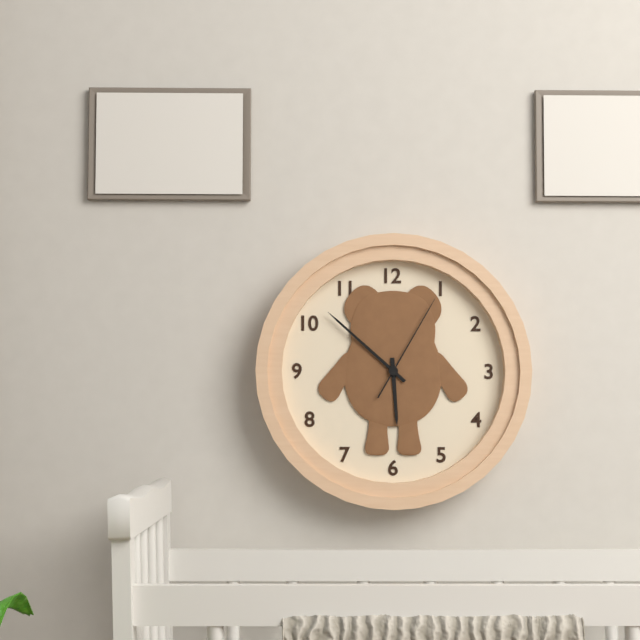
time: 5:52:05
